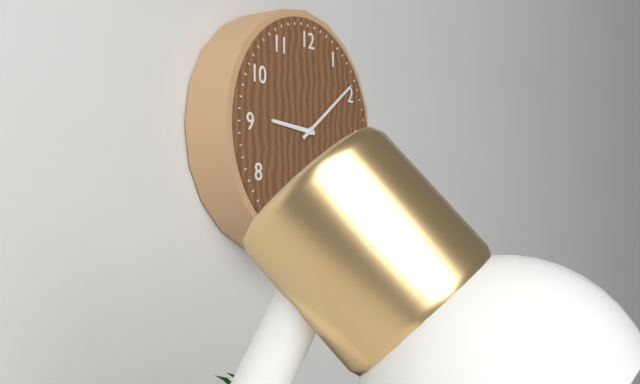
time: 9:09
